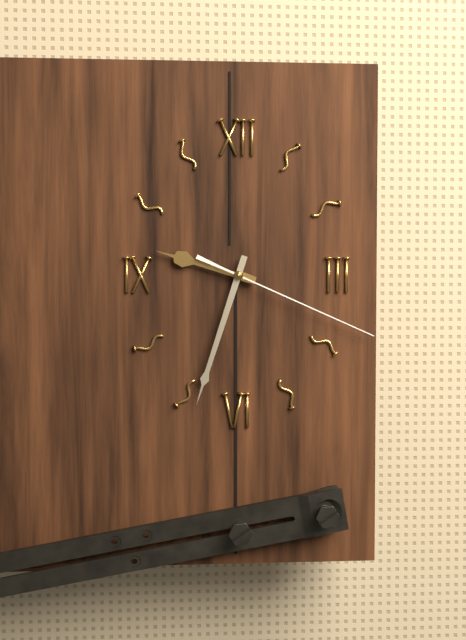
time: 9:33:19
